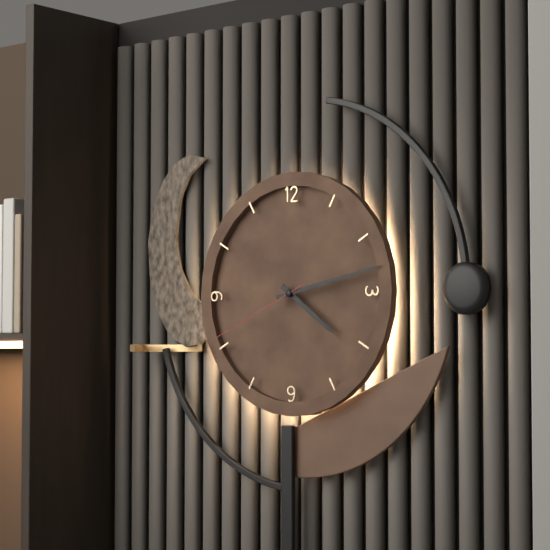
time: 4:13:41
